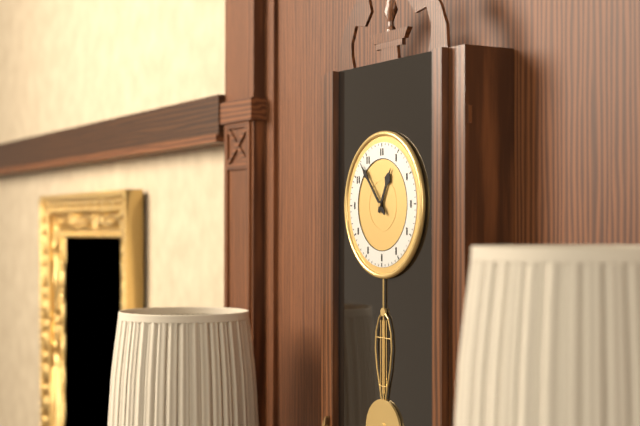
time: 12:53
